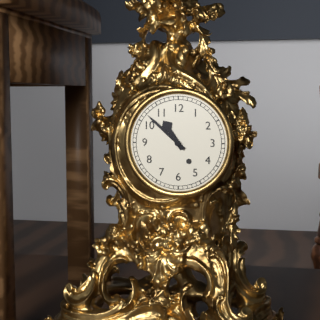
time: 10:52
